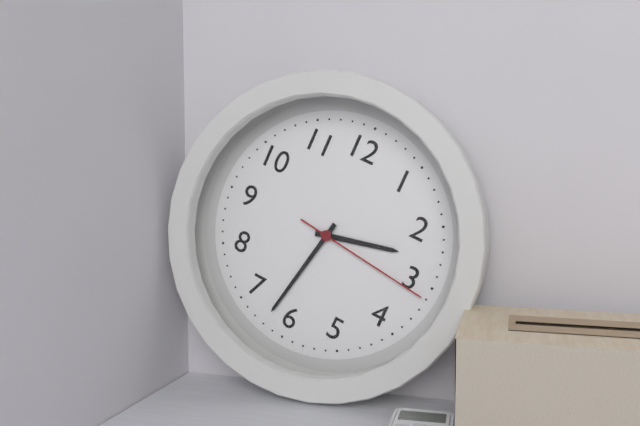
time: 2:32:16
